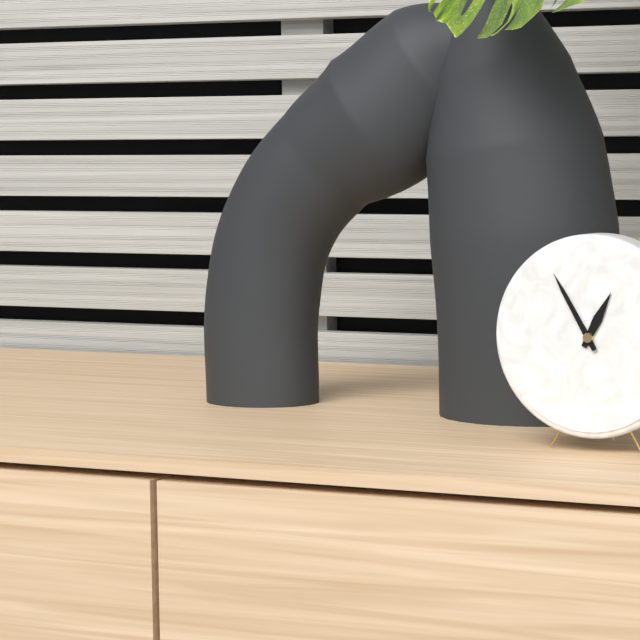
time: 12:55
